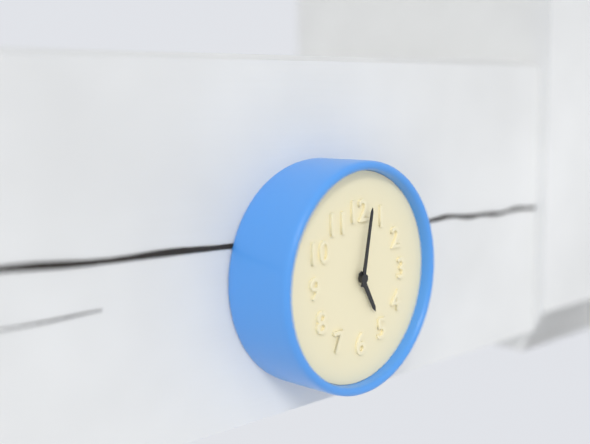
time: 5:02
